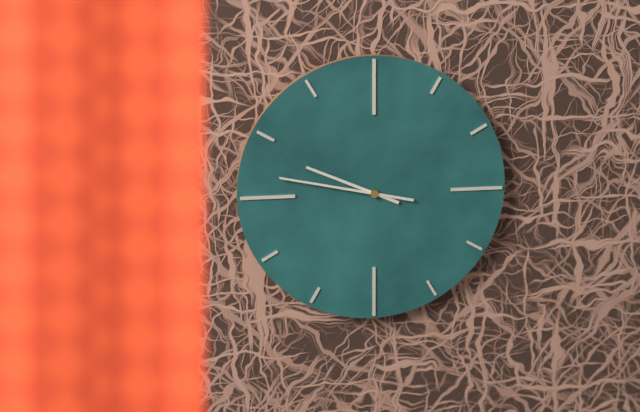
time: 9:47
